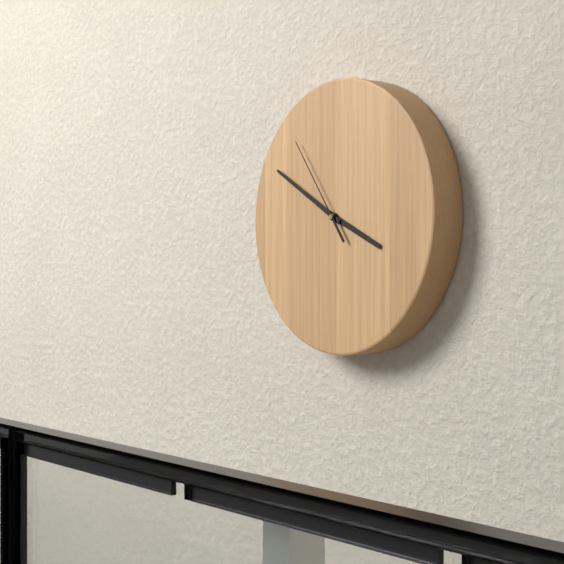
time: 3:50:54
